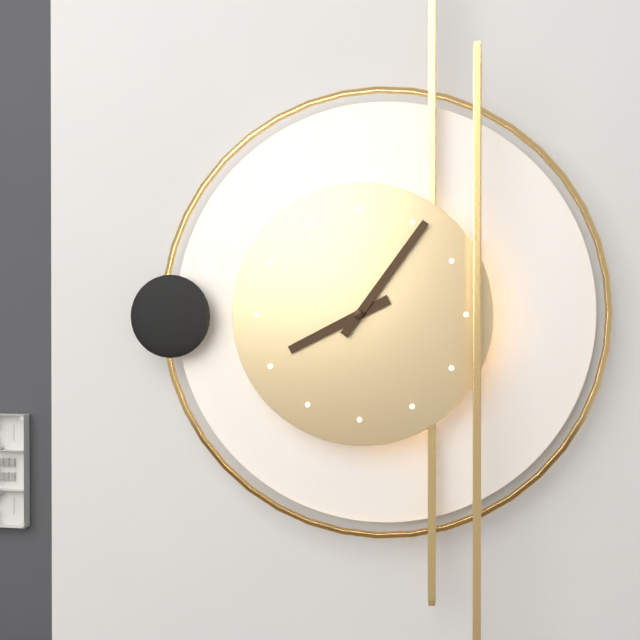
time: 8:06
